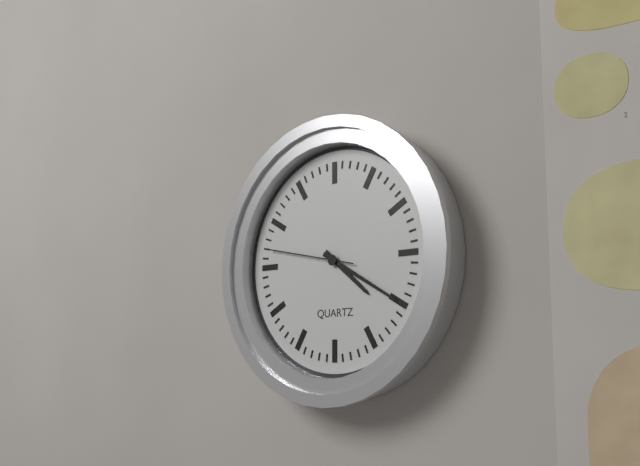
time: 4:20:47
